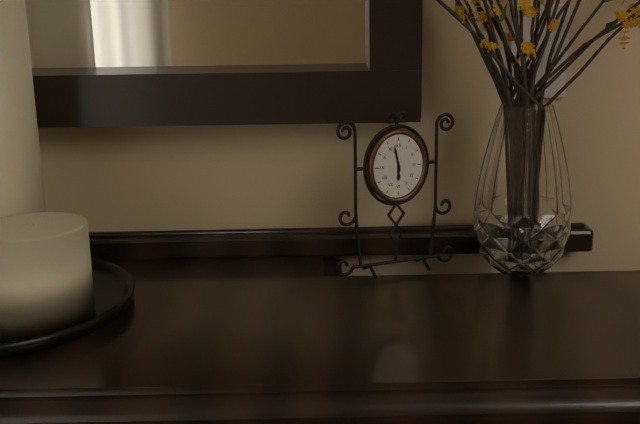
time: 5:58
